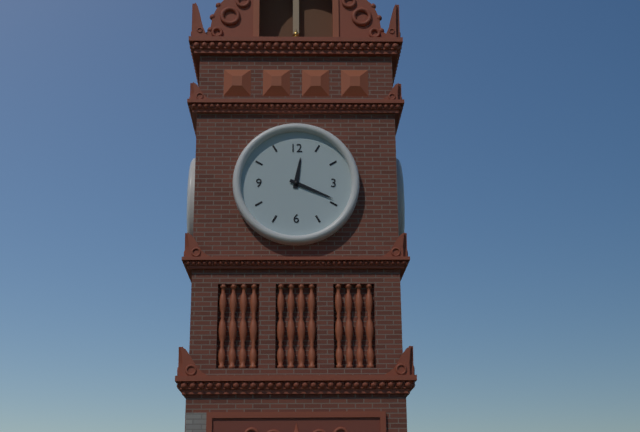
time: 12:19
